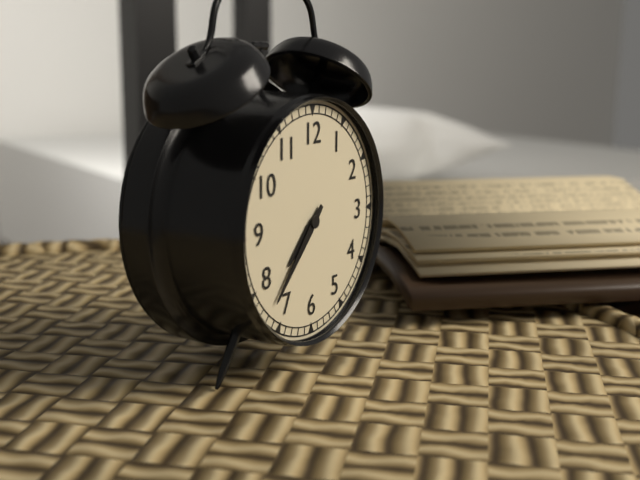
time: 7:37
